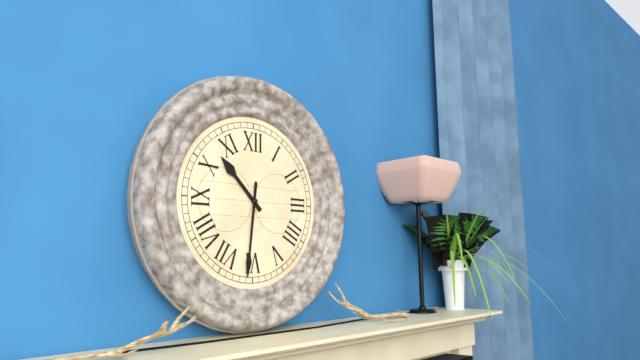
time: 10:31
